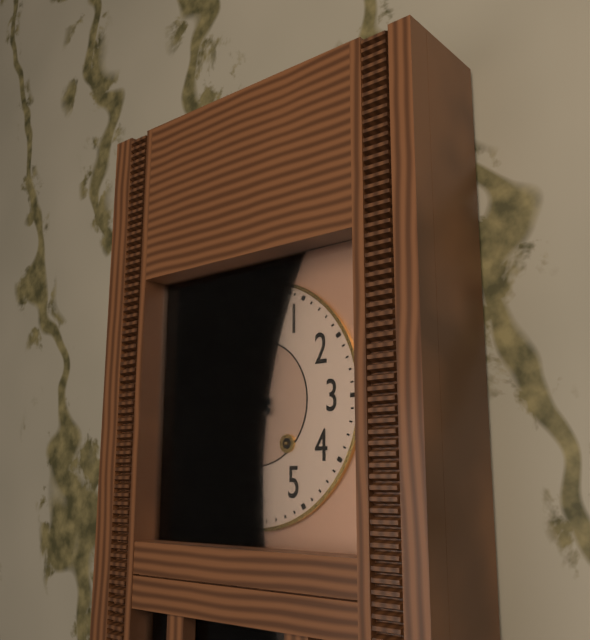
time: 8:50
